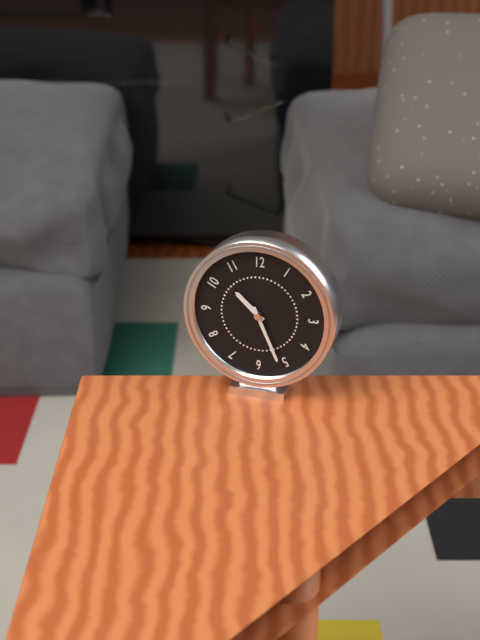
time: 10:26
